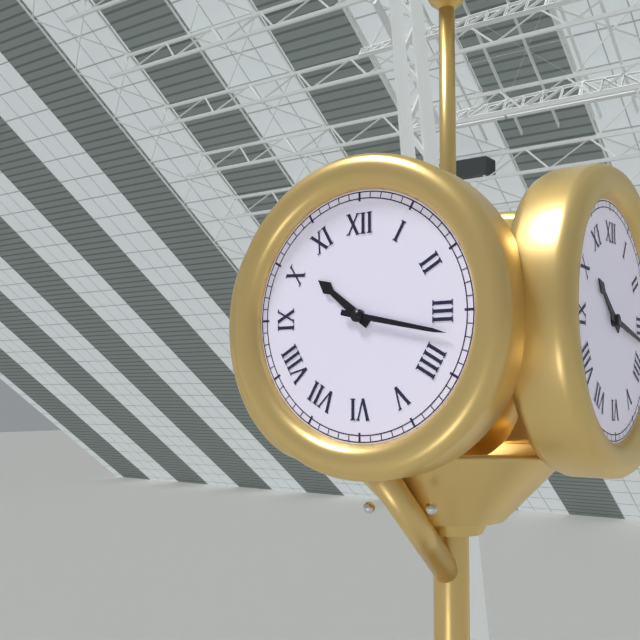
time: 10:17
